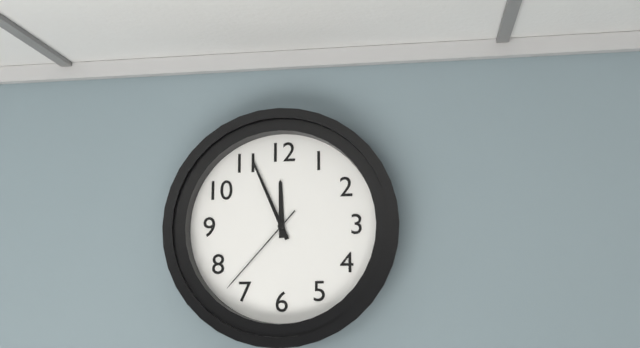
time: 11:56:37
